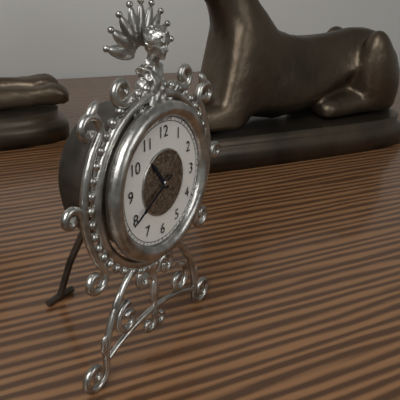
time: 10:40
